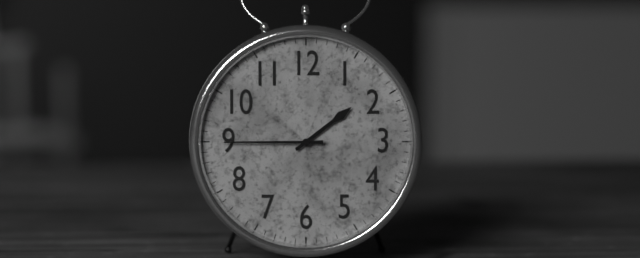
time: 1:45
